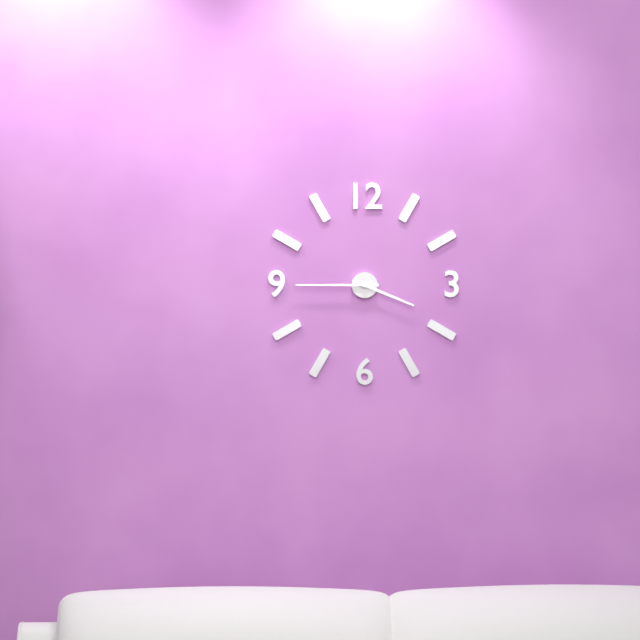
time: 3:45
